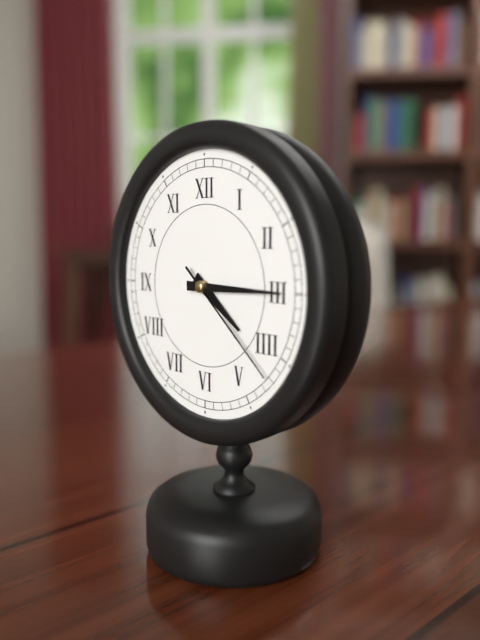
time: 4:15:22
